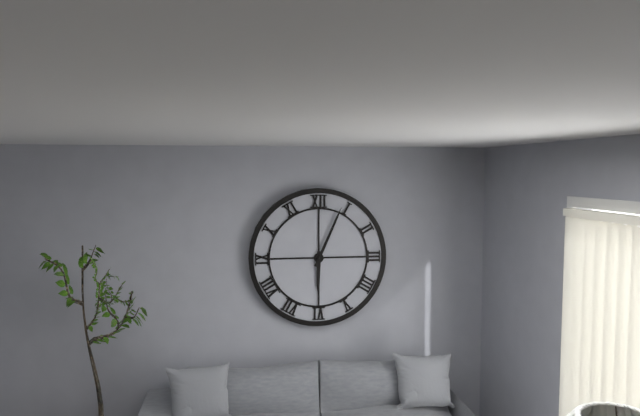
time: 6:04
